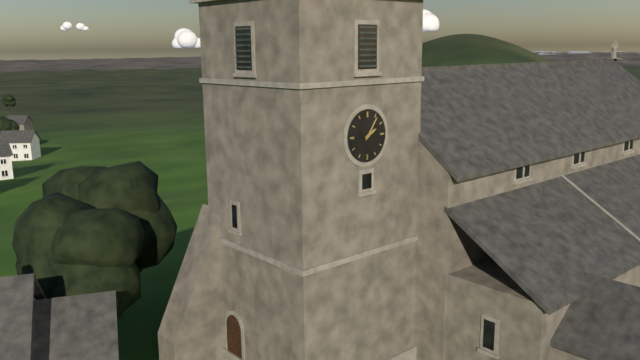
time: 2:06
